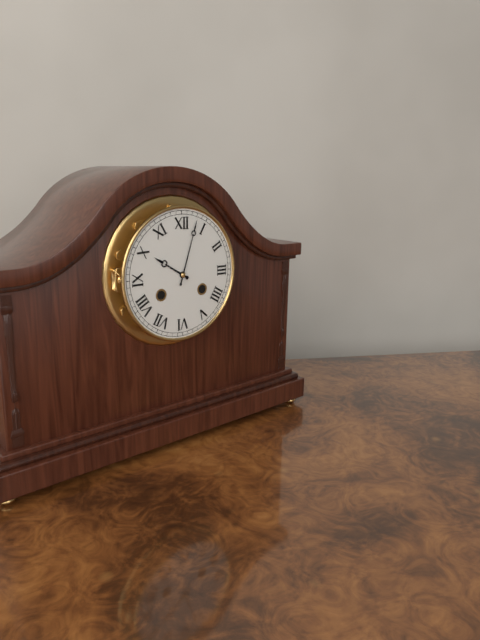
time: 10:03
